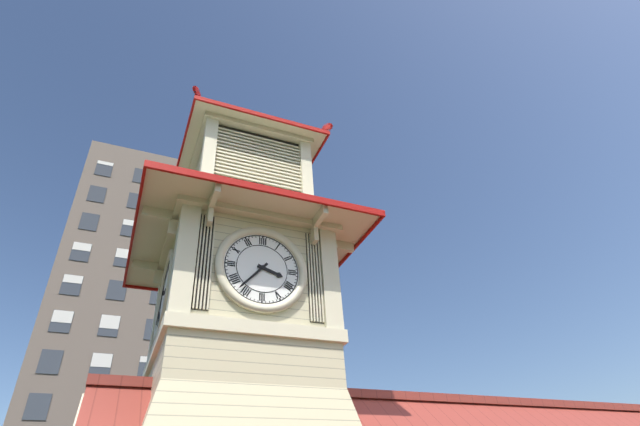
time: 3:37
